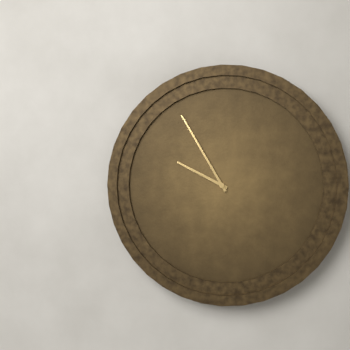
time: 9:55
